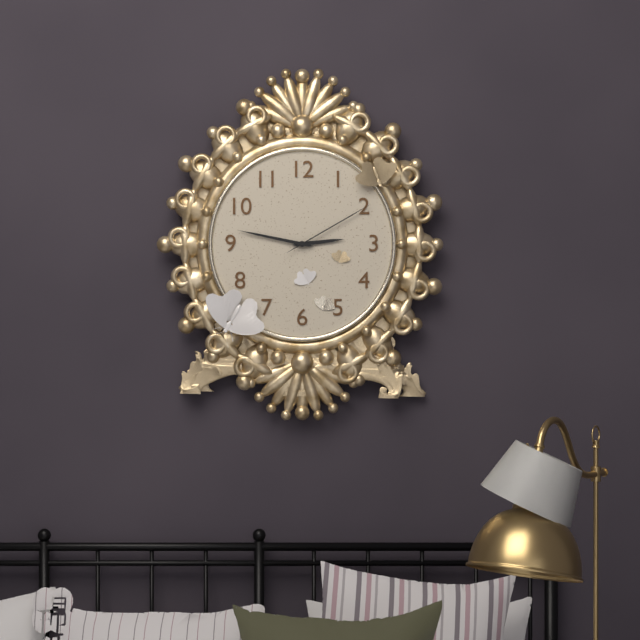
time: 2:47:10
